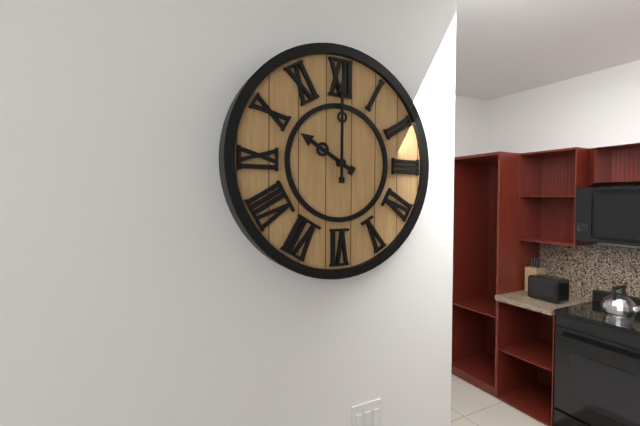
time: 10:00
